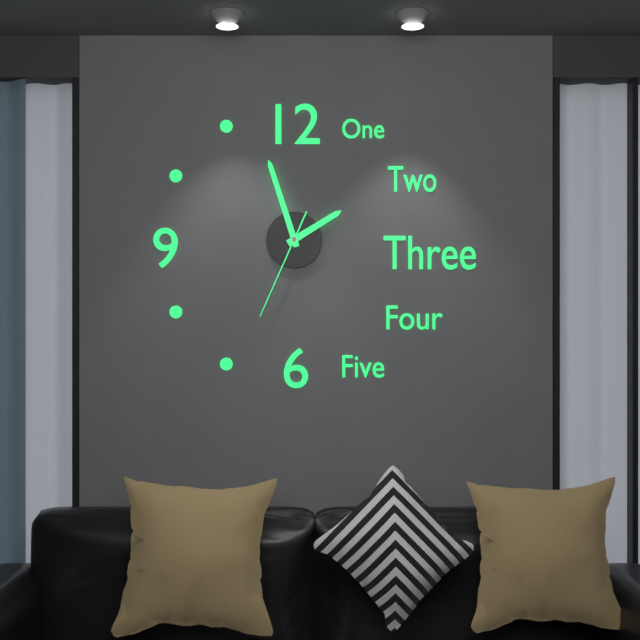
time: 1:57:34
